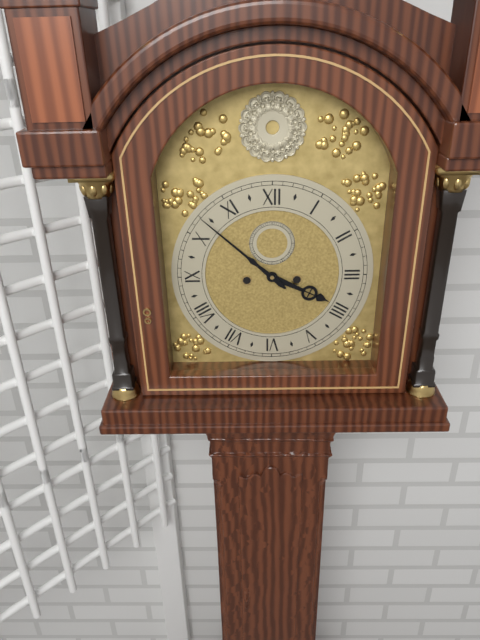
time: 3:52
